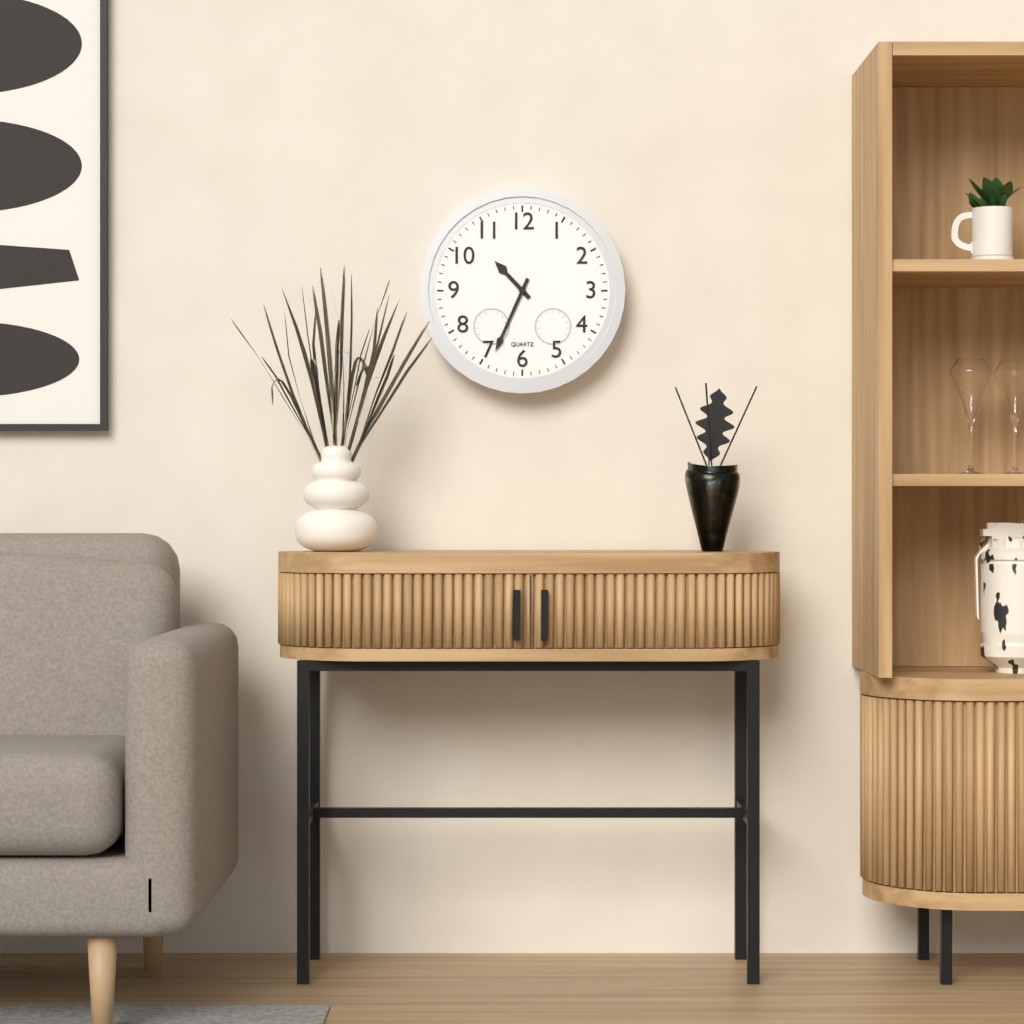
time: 10:34
